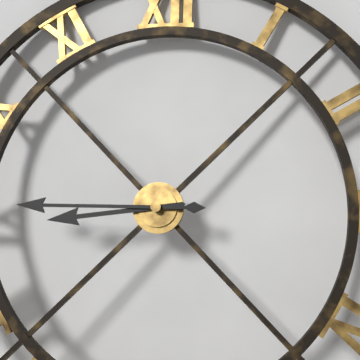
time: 8:45
